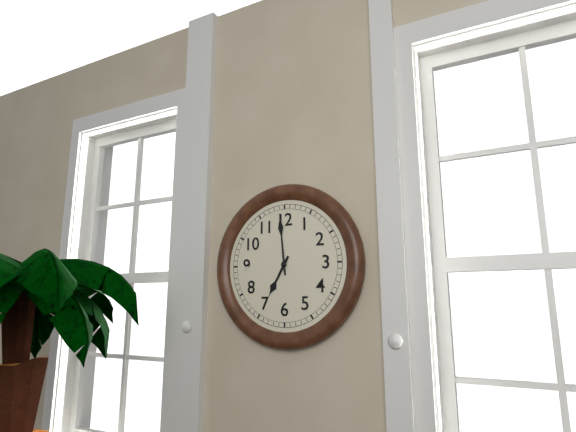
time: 6:59
